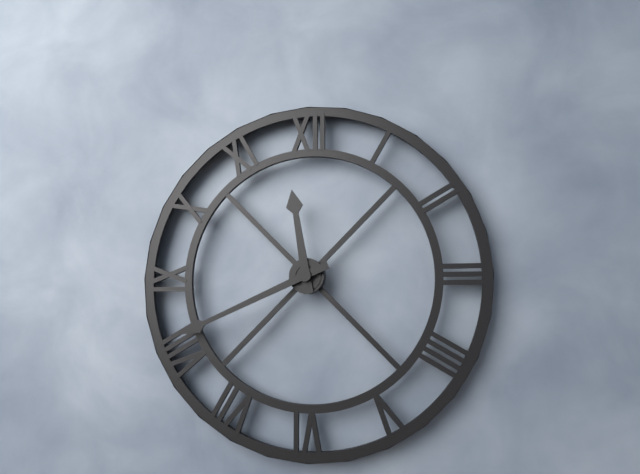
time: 11:41
